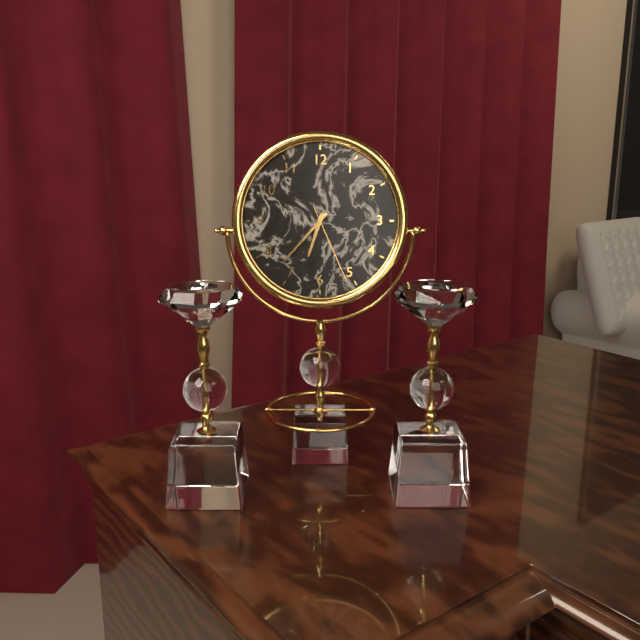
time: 6:37:26
